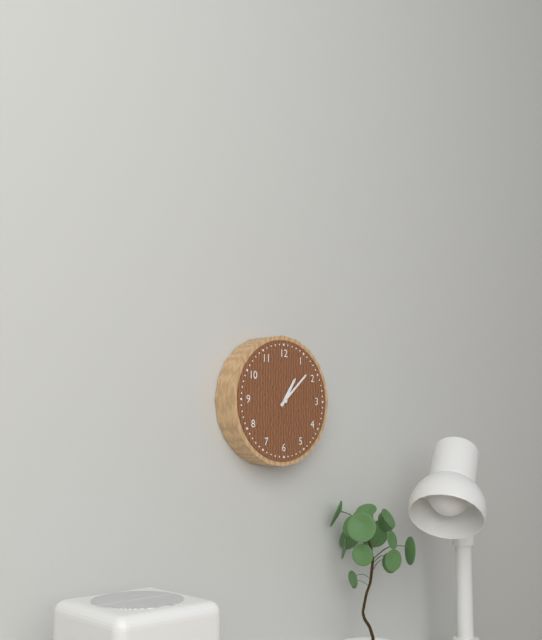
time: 1:08
